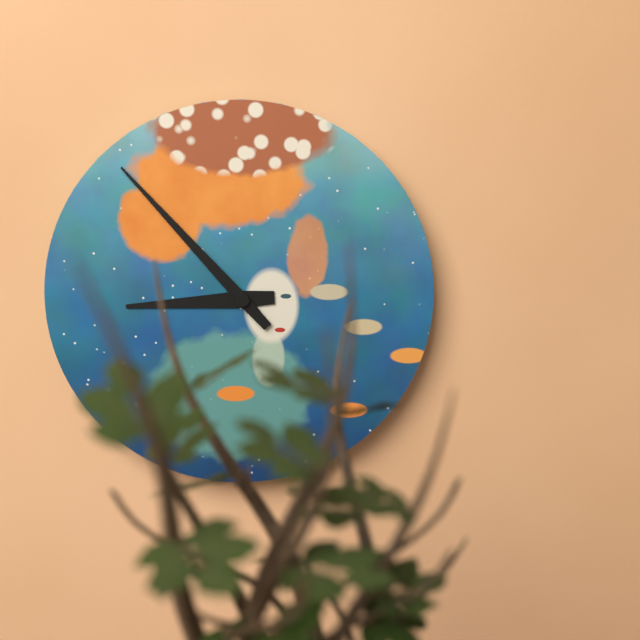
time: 8:53
